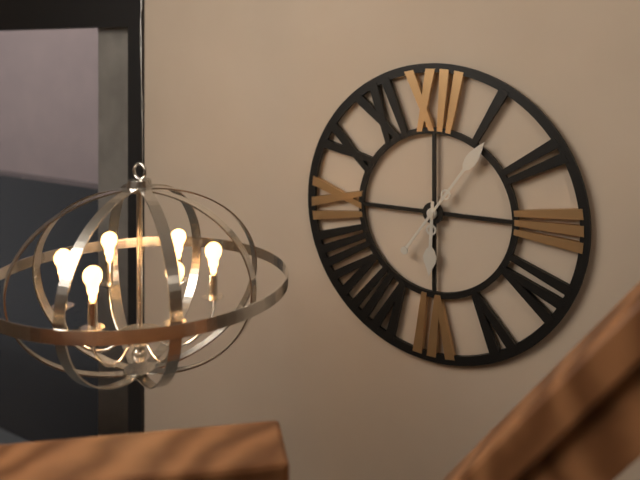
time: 6:06
